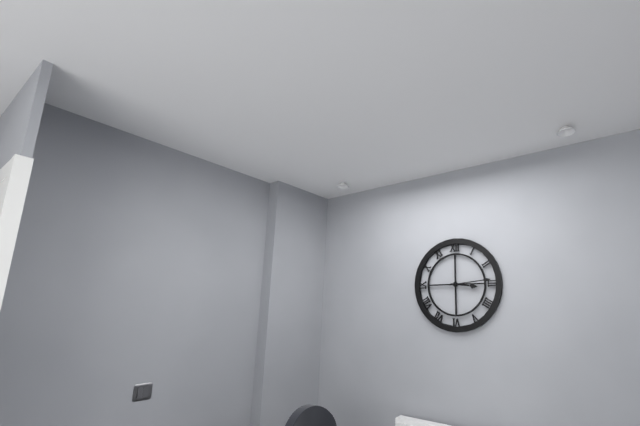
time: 3:14
